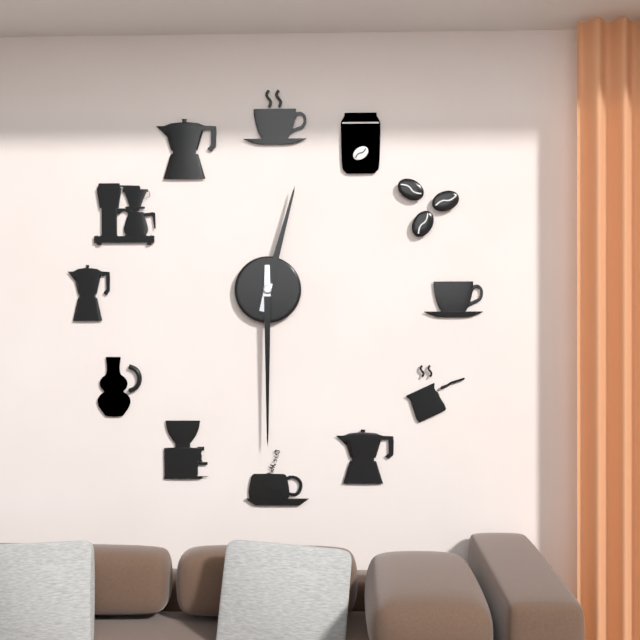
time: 12:30
